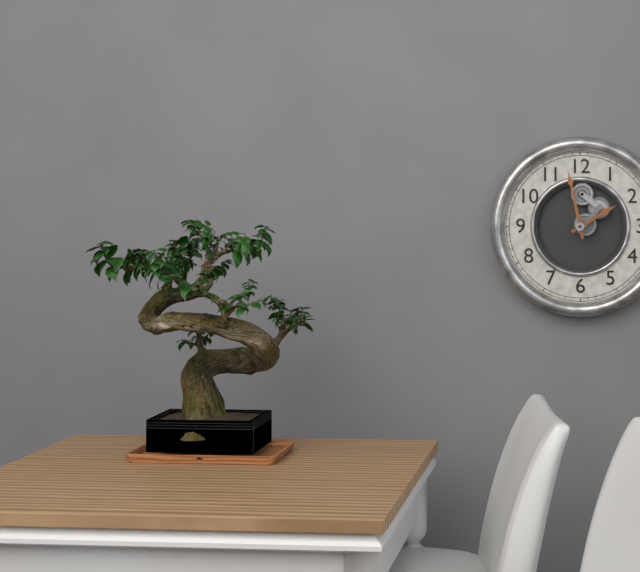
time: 1:58
